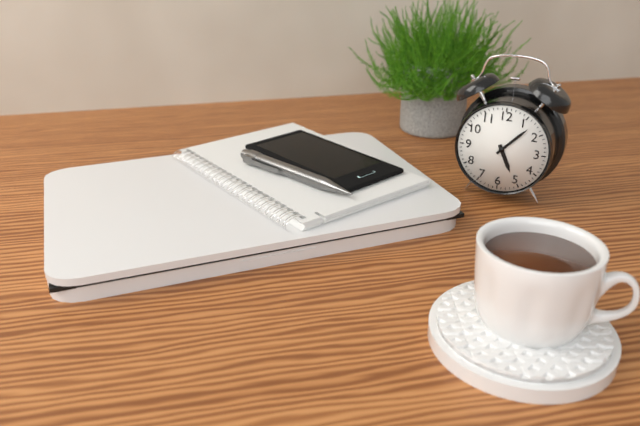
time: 5:07
